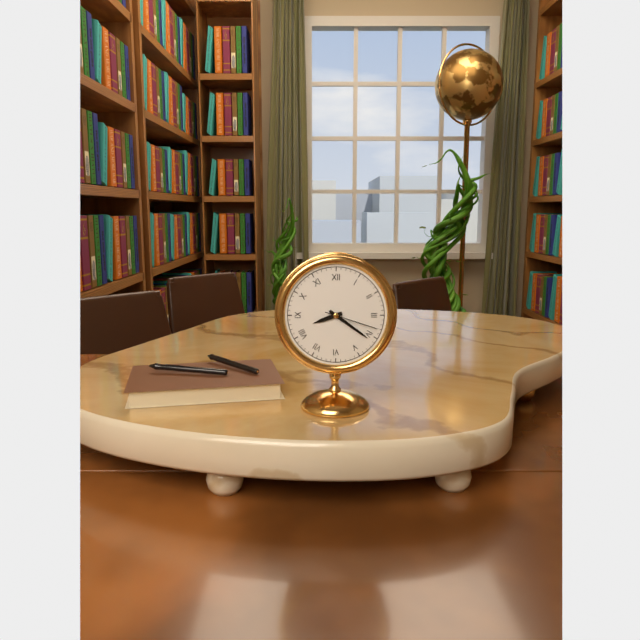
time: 8:21:18
